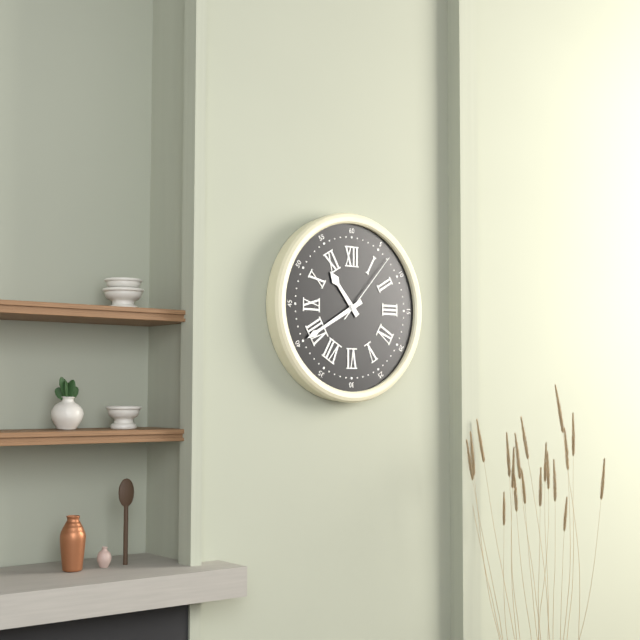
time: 10:40:07
